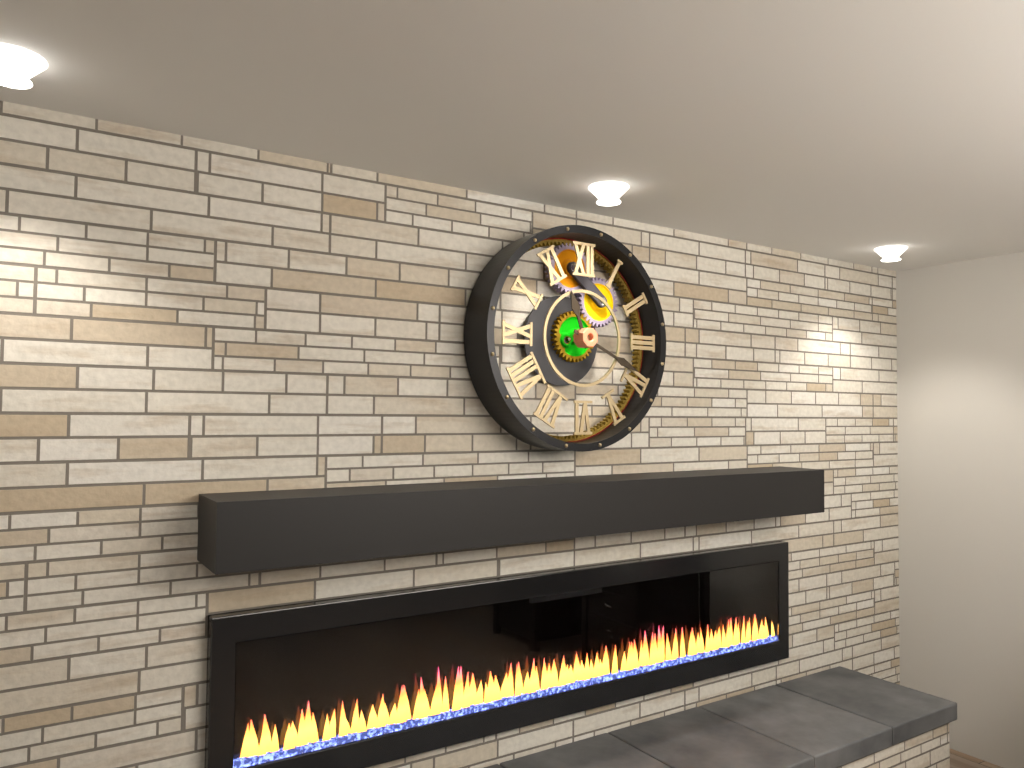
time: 11:19
